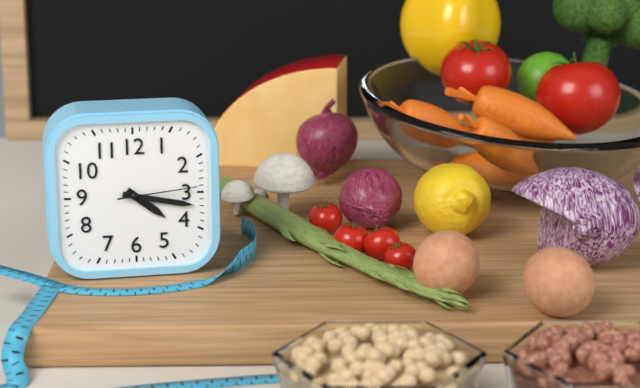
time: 4:17:14
